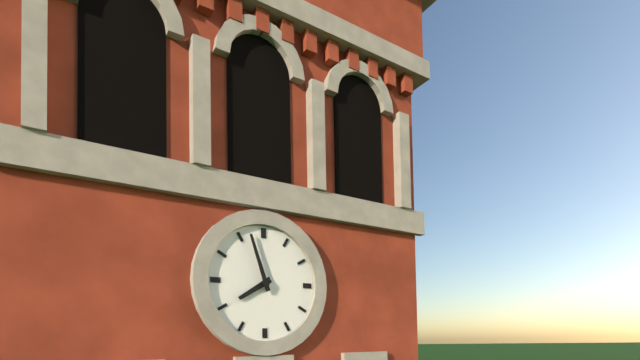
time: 7:57
